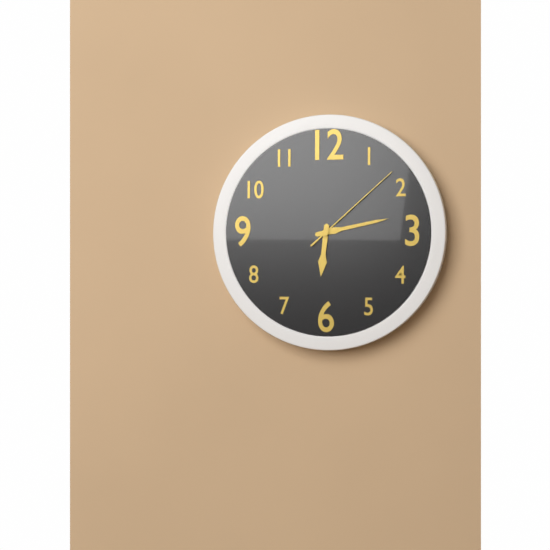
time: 6:13:08
